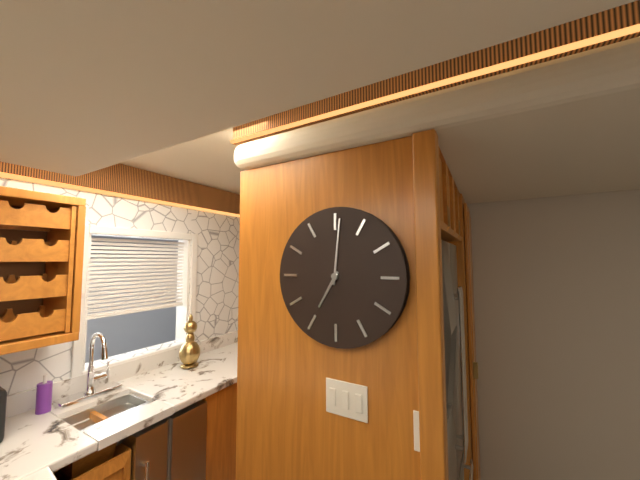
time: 7:01
